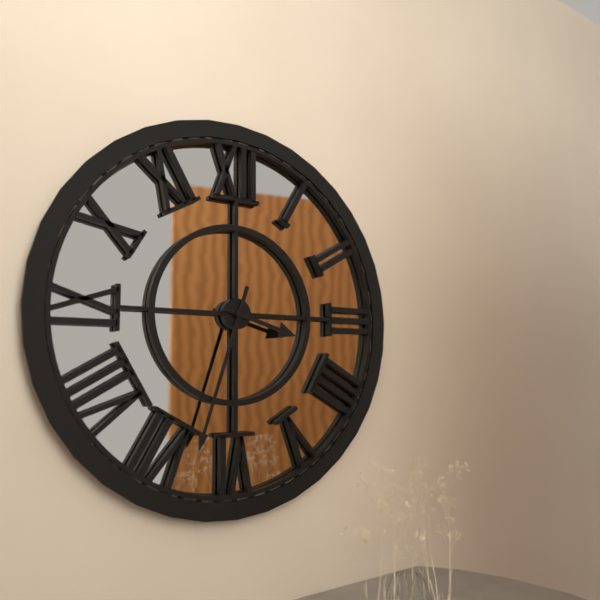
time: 3:33
